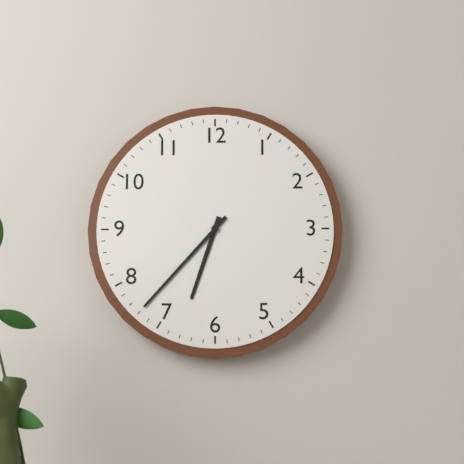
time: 6:37
